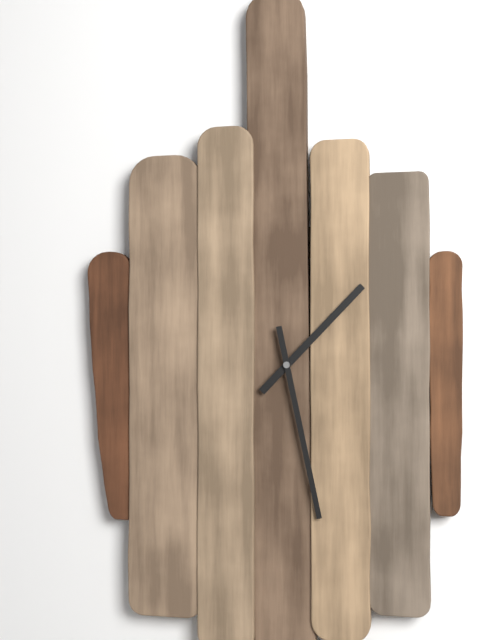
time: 1:28
